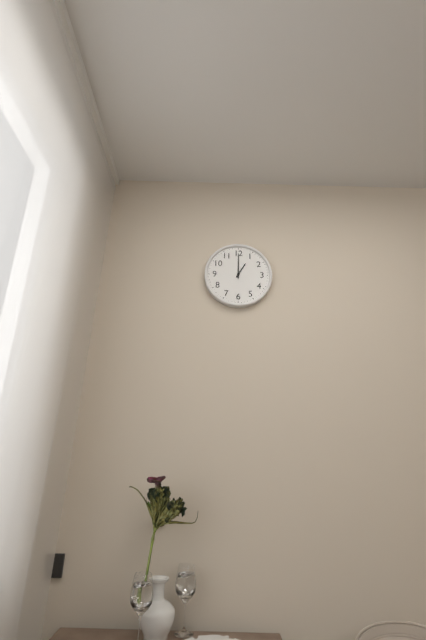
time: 1:00
